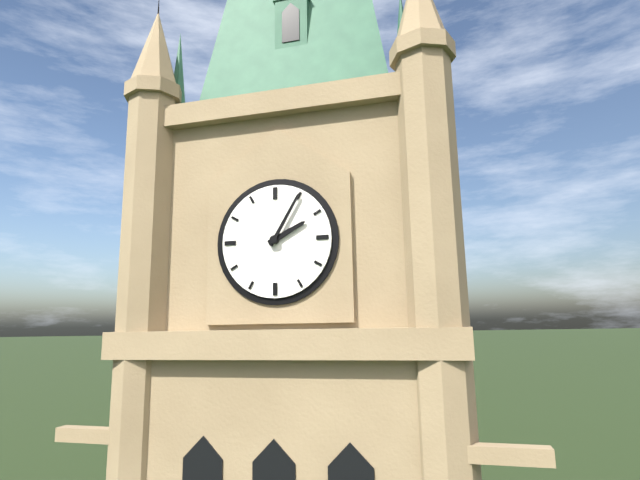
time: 2:05
